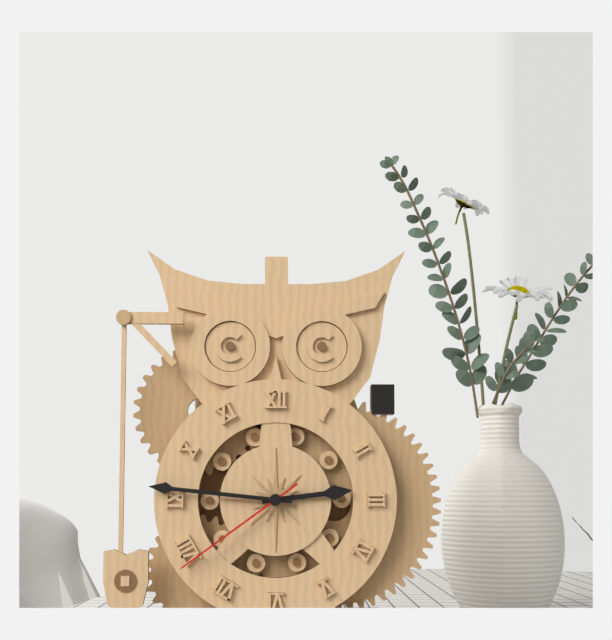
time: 2:46:39
